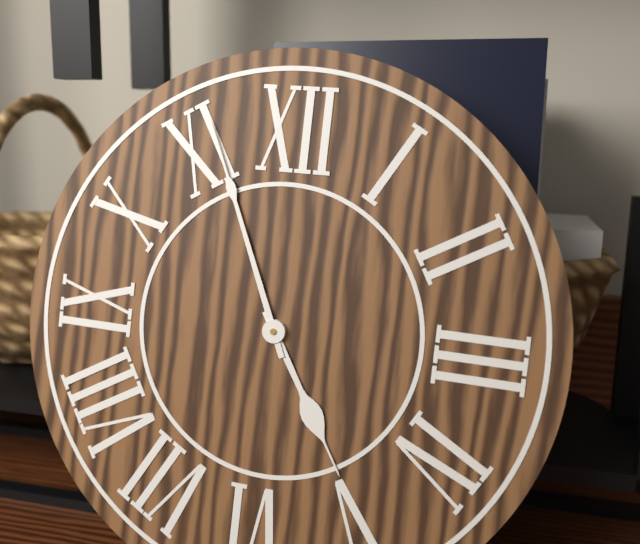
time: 4:56
